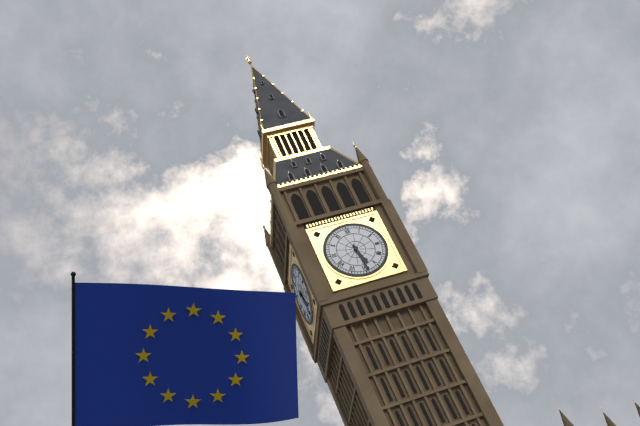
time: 5:29
